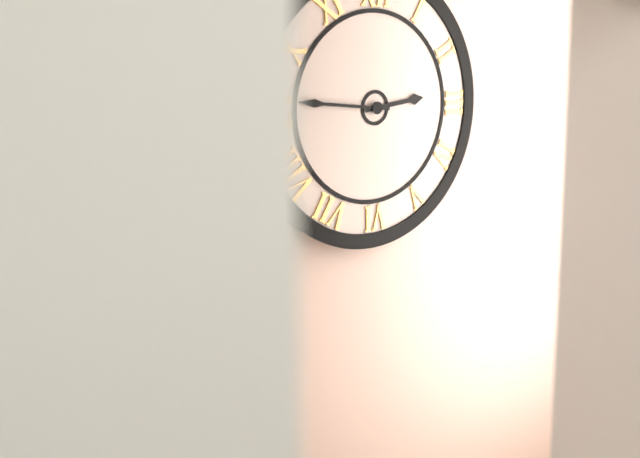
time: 2:46
